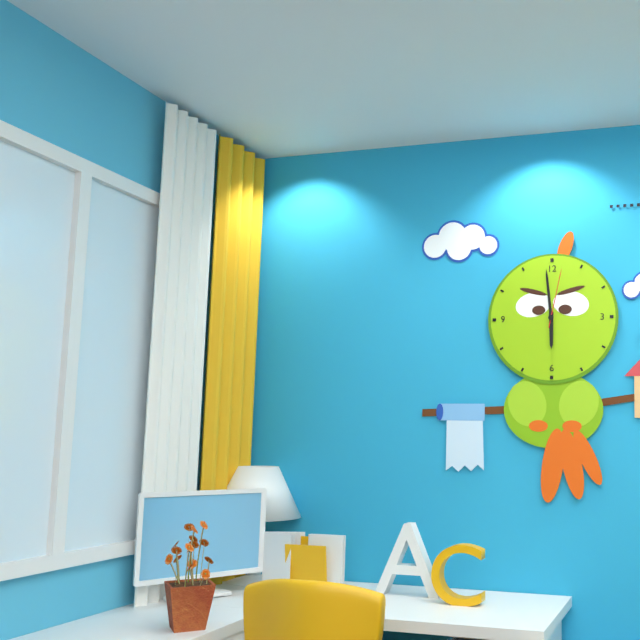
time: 5:59:02
